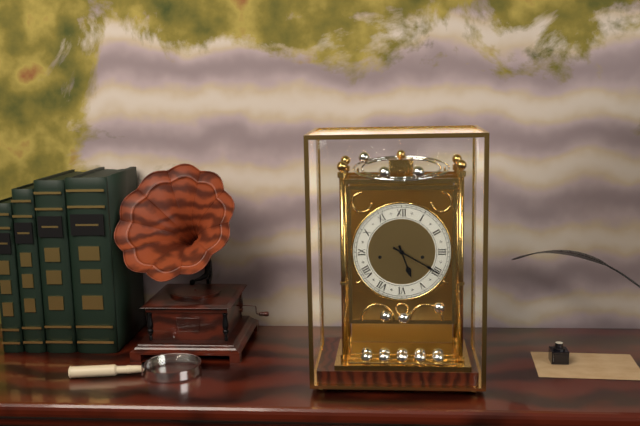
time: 5:20
